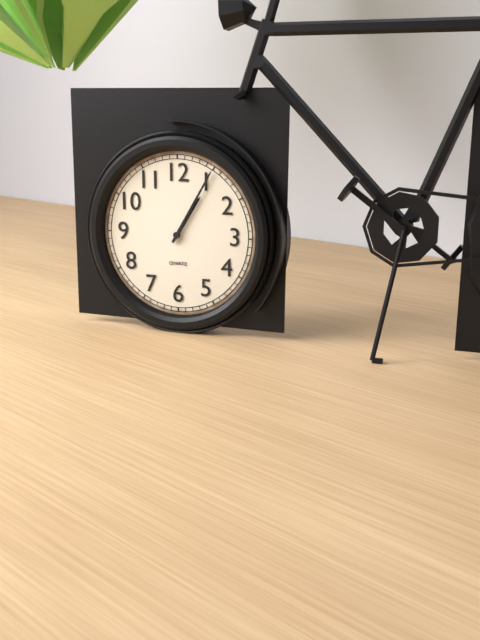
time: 1:05
